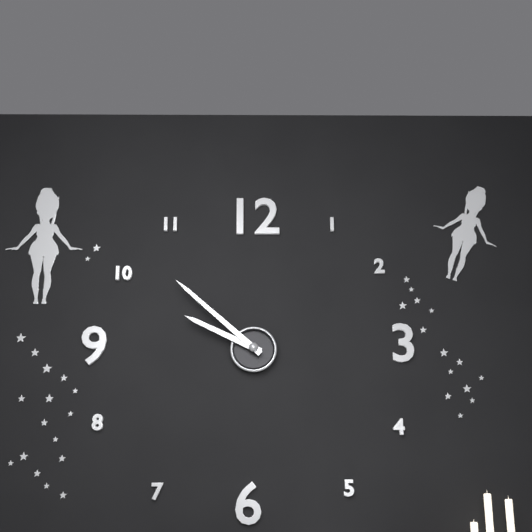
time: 9:52
